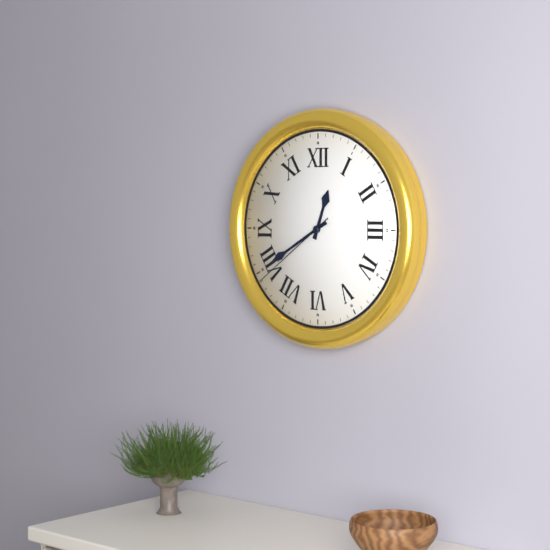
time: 12:40:39
